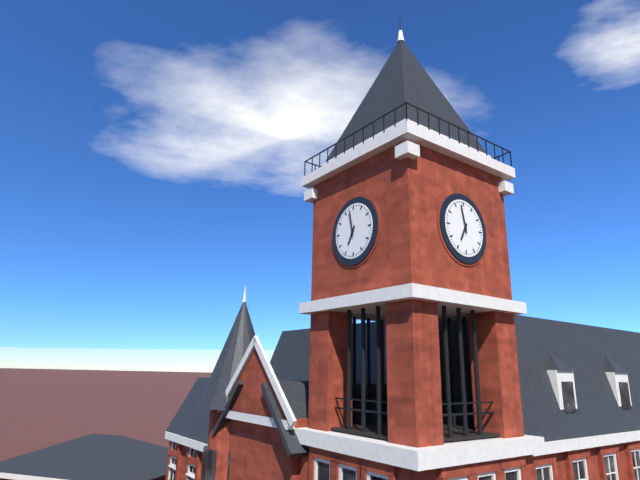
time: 6:58
